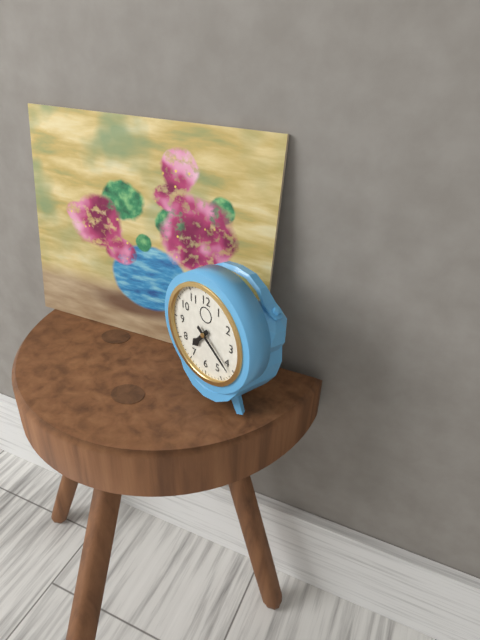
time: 7:21
